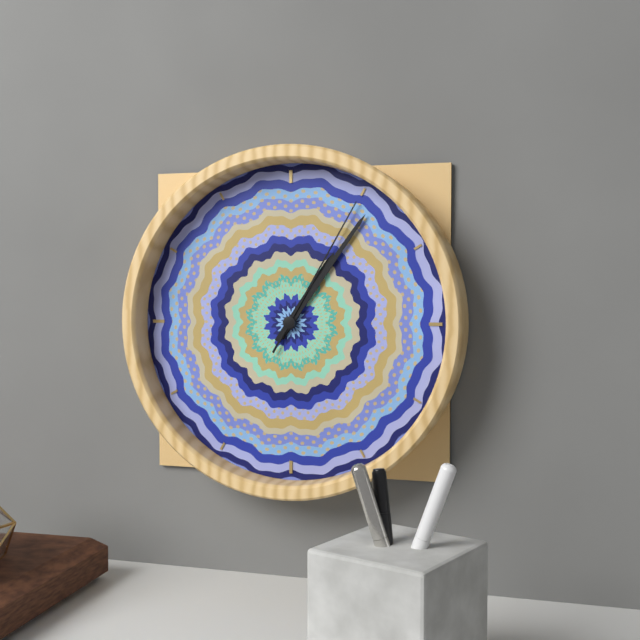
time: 1:06:05
